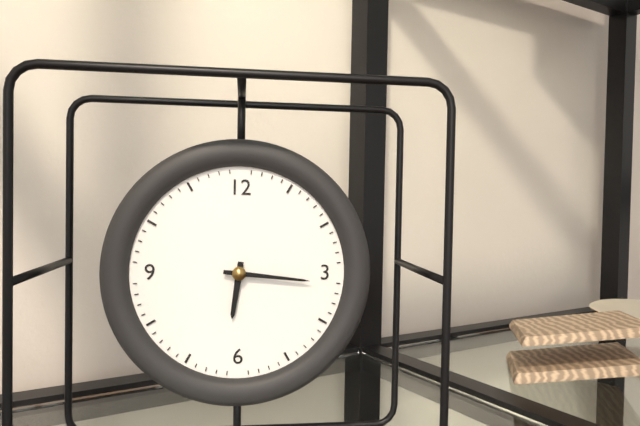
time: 6:16
